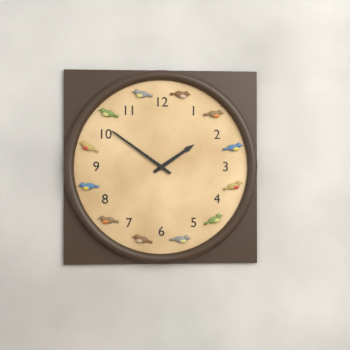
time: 1:51
